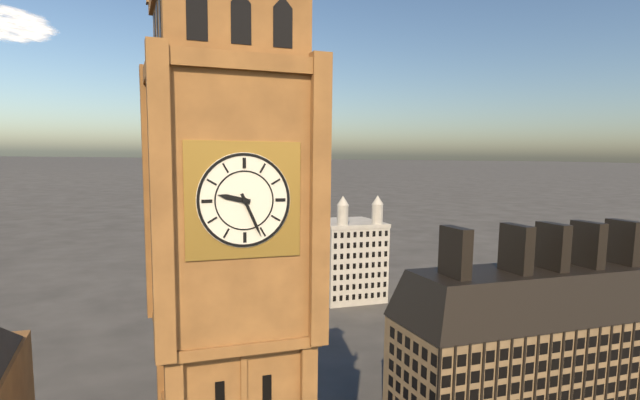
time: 9:26
